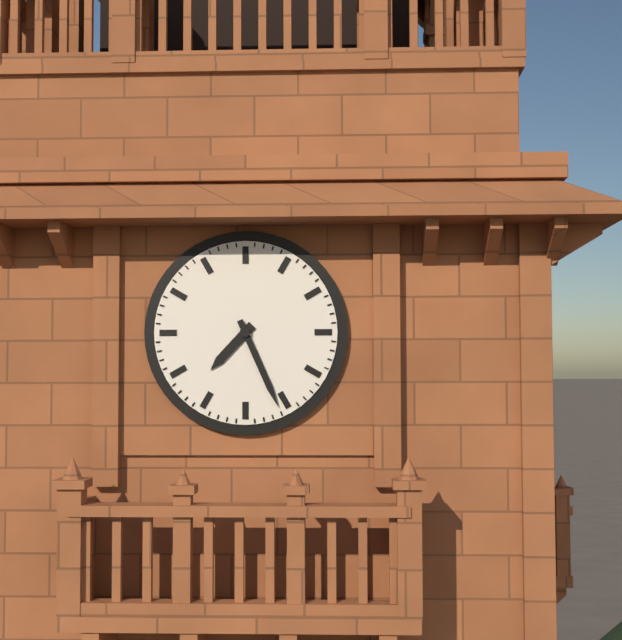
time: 7:26
